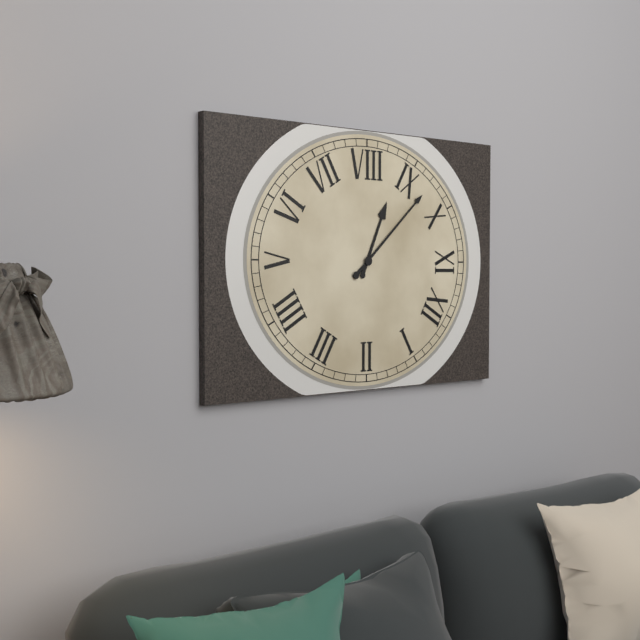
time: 8:48
